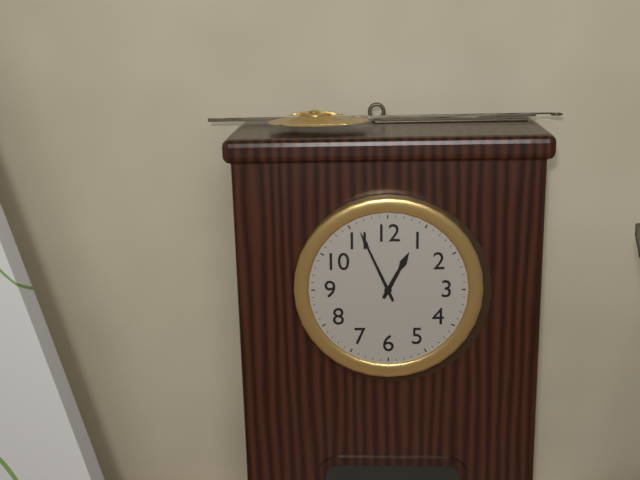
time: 12:56
